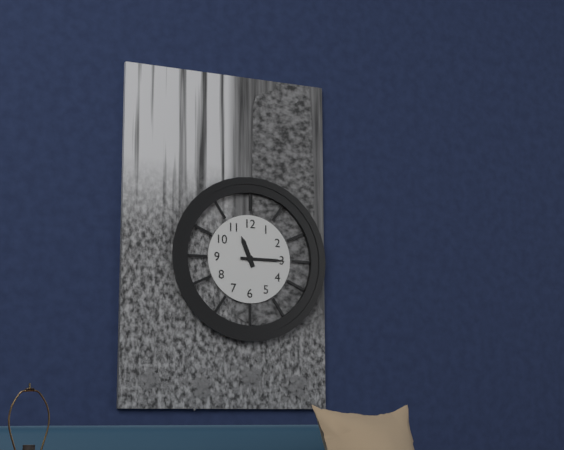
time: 11:15
